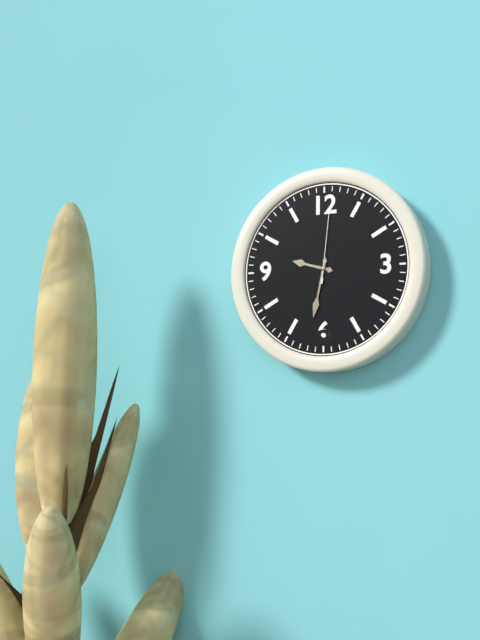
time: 9:32:01
